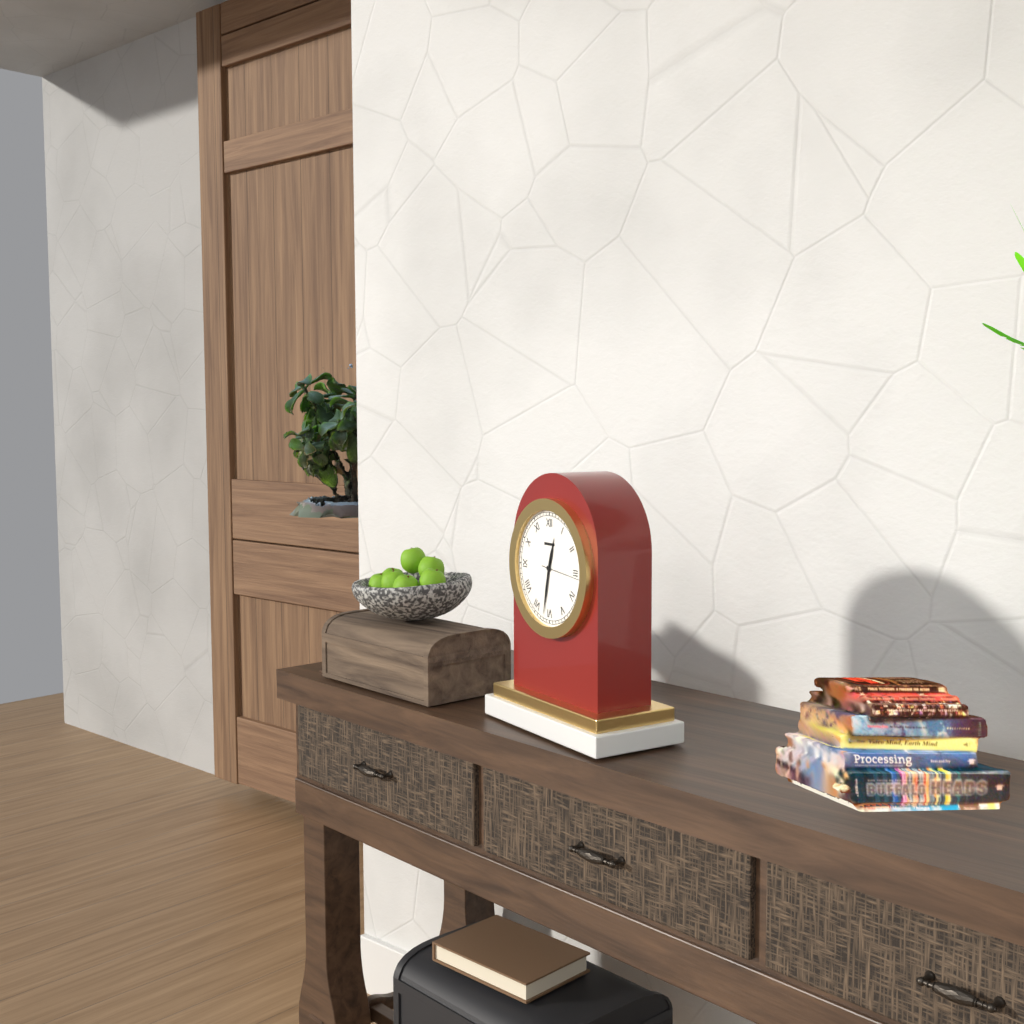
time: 12:32
